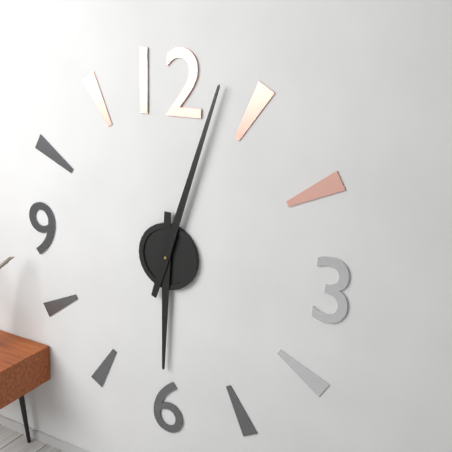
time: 6:03
